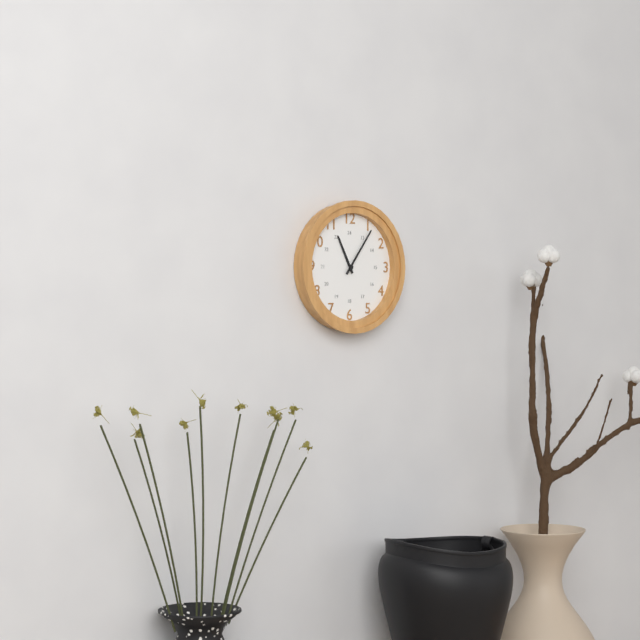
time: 11:06
